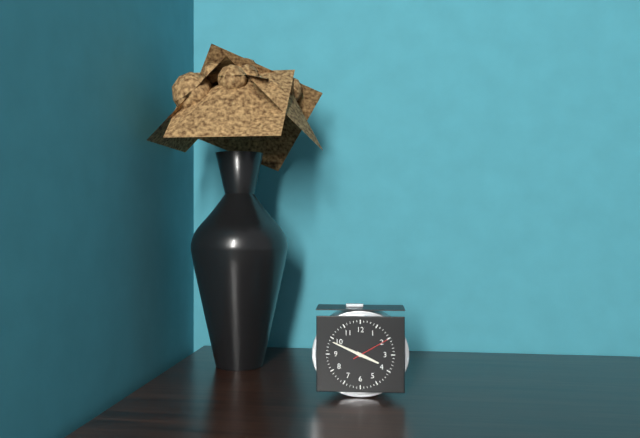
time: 3:49
